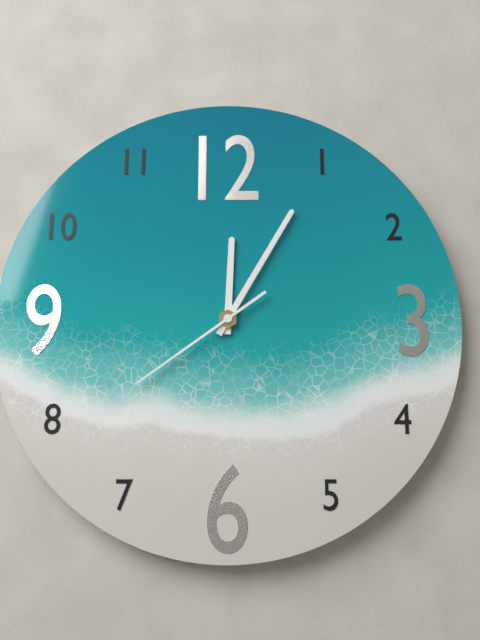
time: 12:05:39
